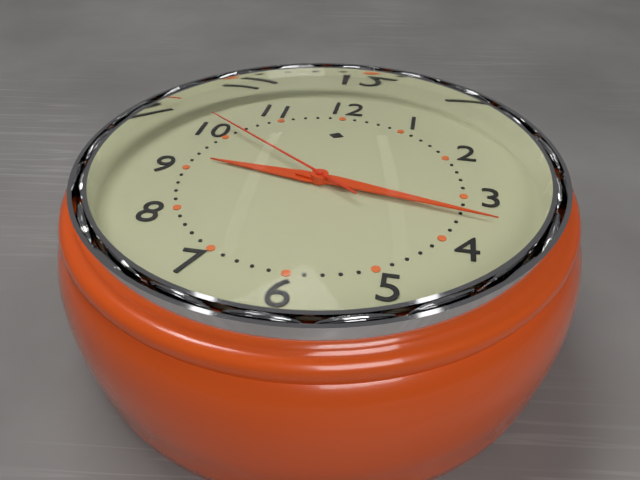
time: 9:17:51
